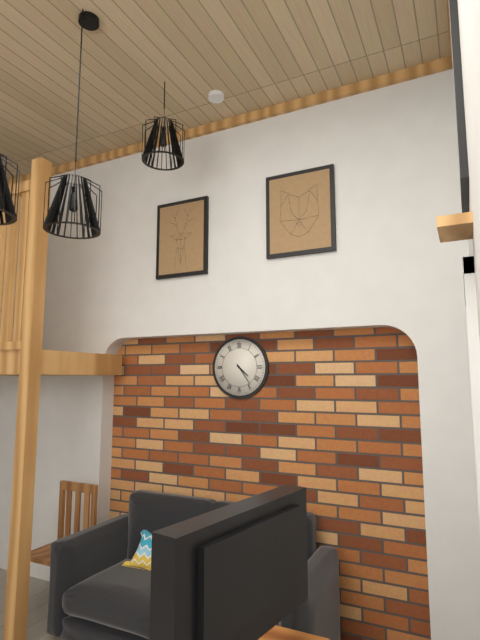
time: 4:24
